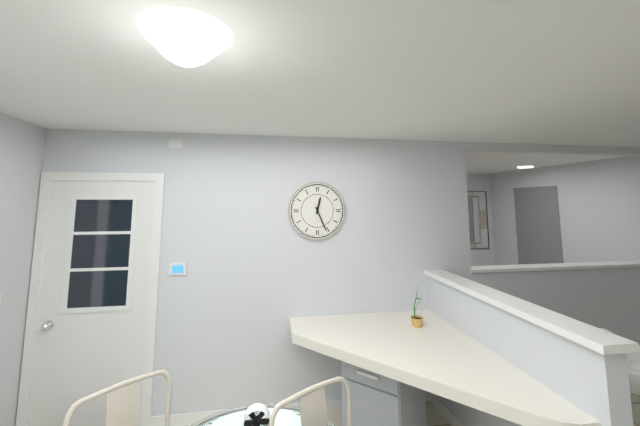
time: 12:26
